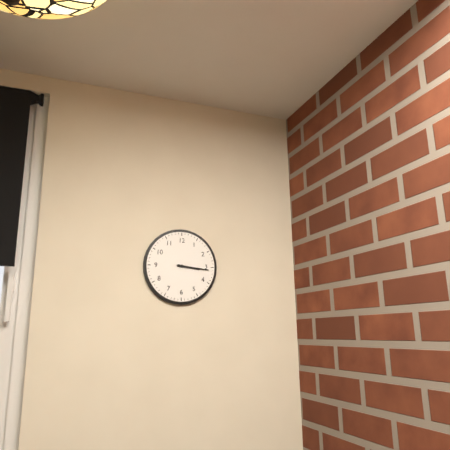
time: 3:16
